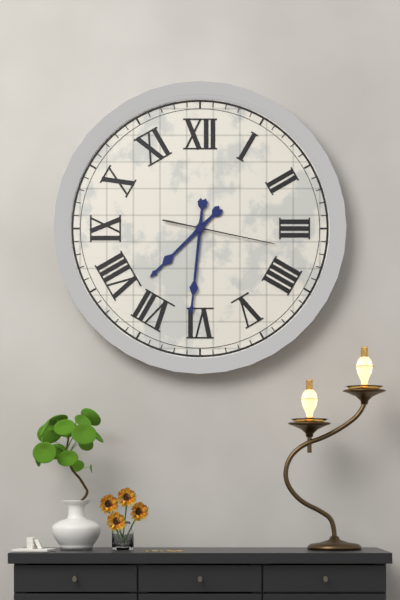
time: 7:31:17
